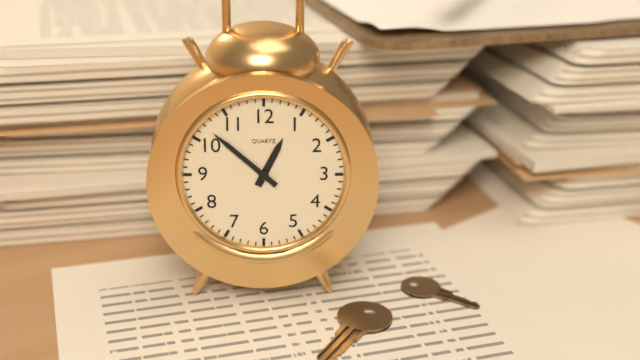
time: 12:52
